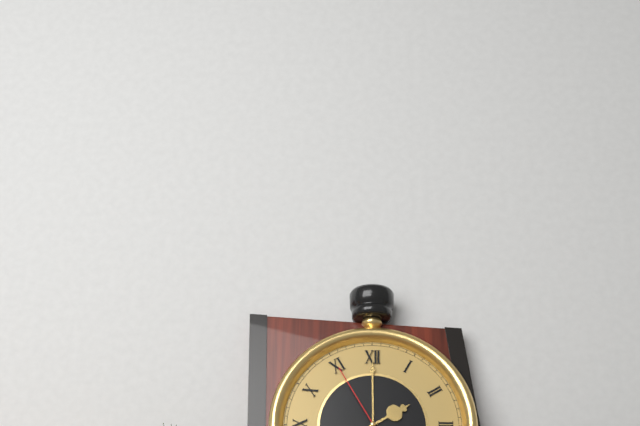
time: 2:00:55
